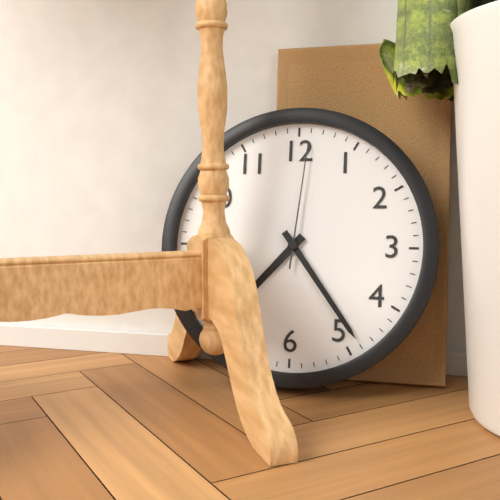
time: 7:24:01
